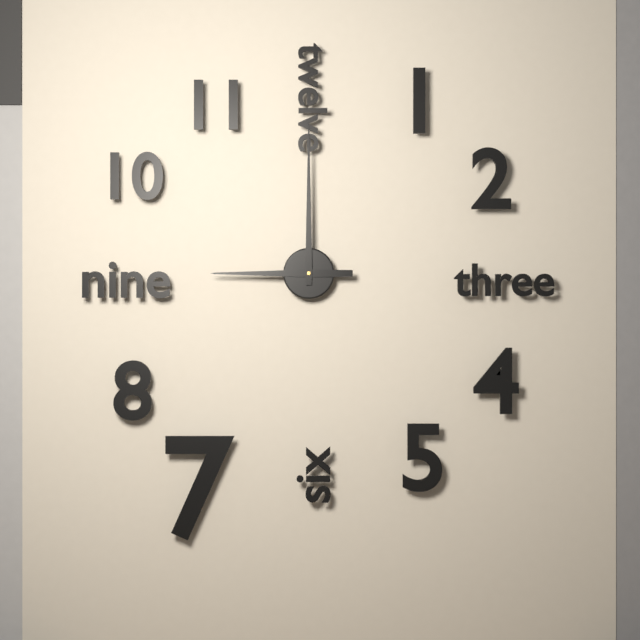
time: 9:00
